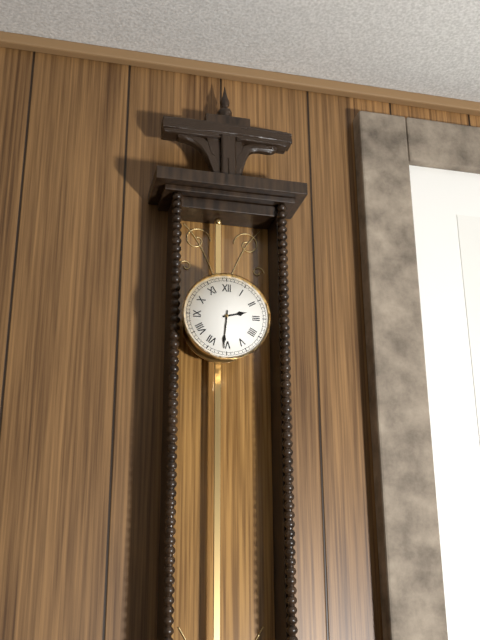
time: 2:31
